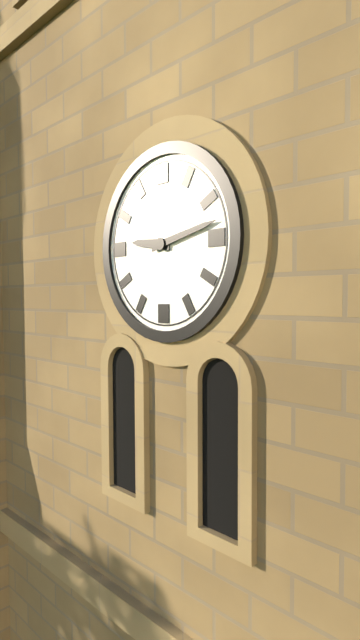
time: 9:13
